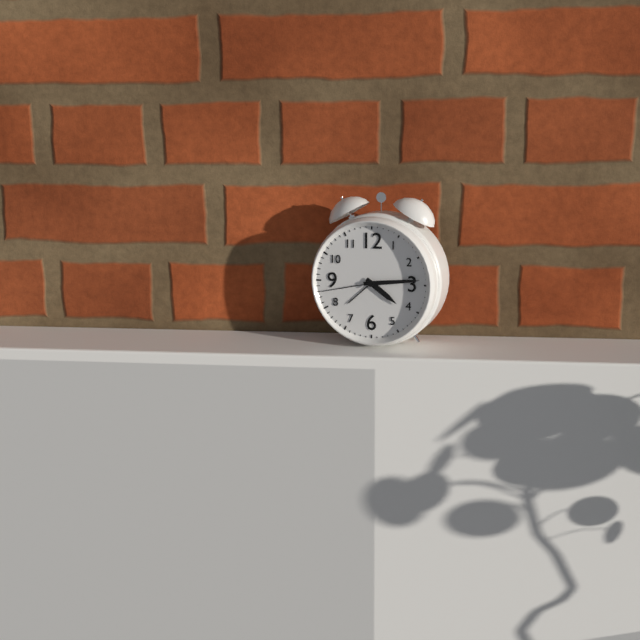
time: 4:14:43
